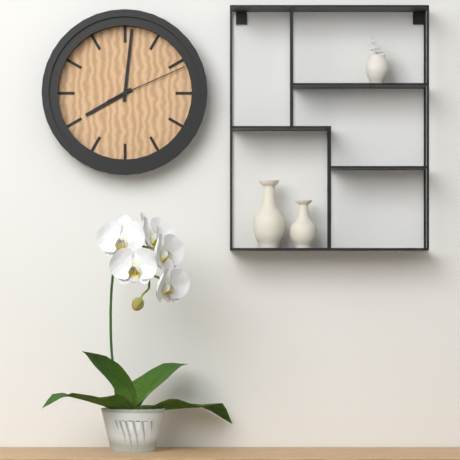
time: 8:01:11
